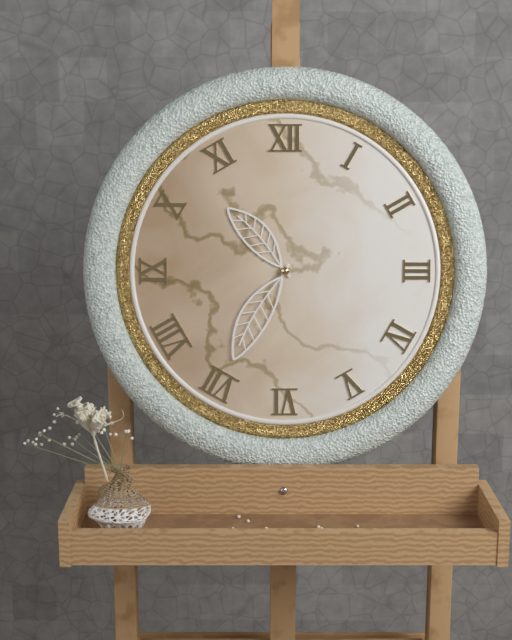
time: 10:35
